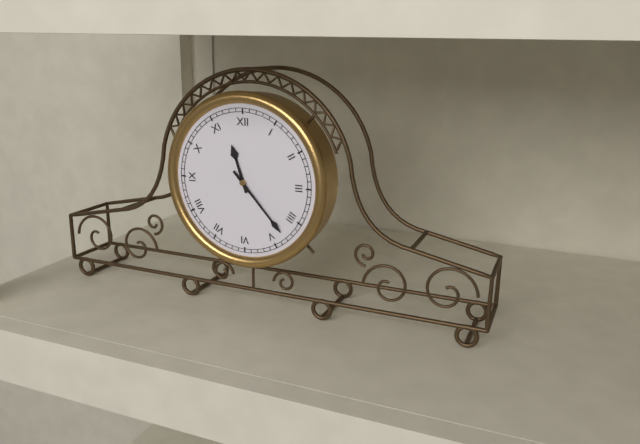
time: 11:23
